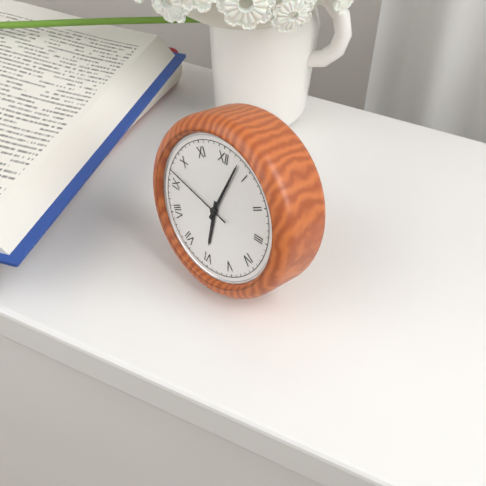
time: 6:03:47
